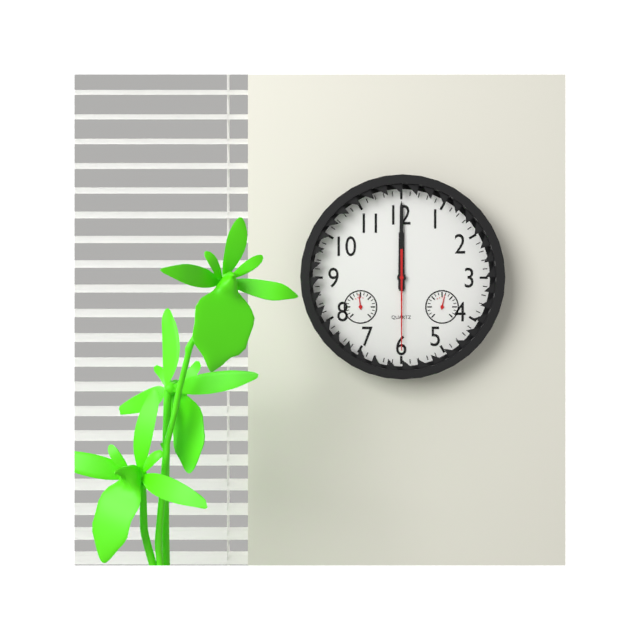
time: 12:00:30
